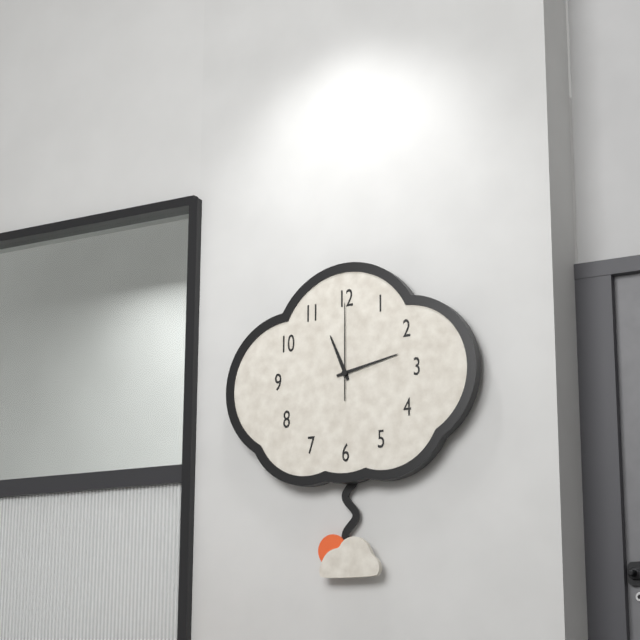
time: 11:13:00
